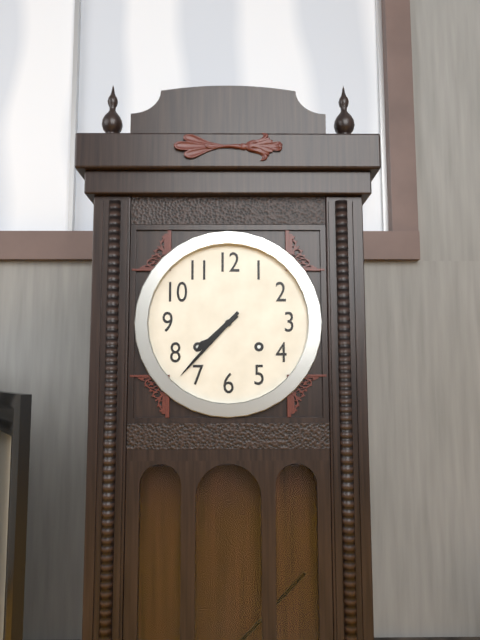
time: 7:37
